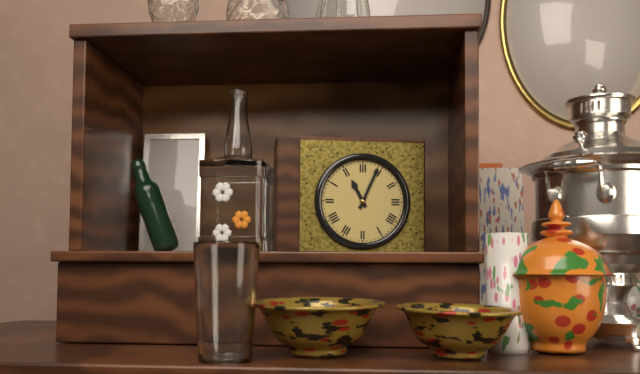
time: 11:04
